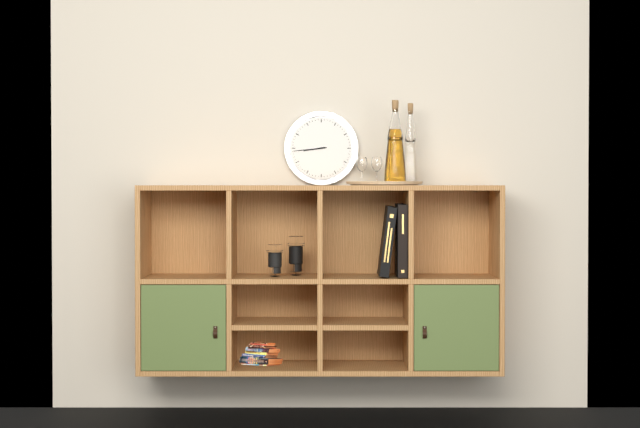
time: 8:44
